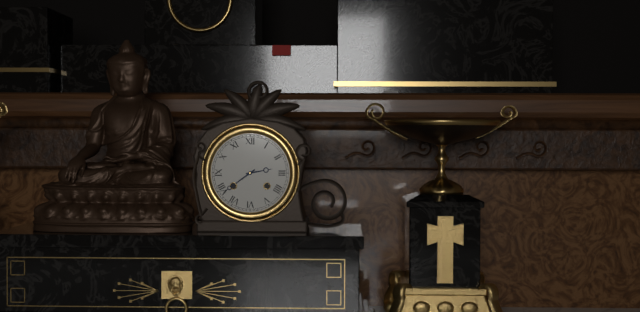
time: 2:39
